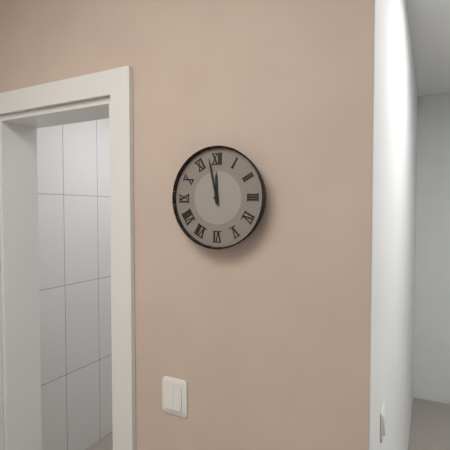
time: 11:58
